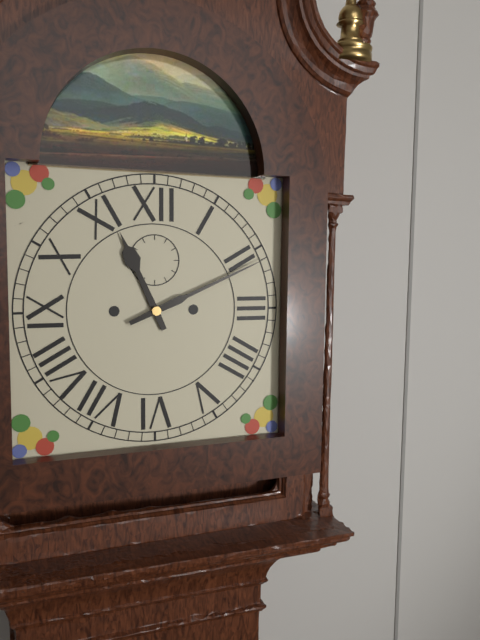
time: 11:11
